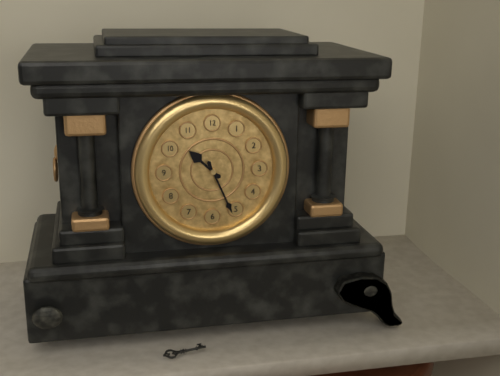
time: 10:26
